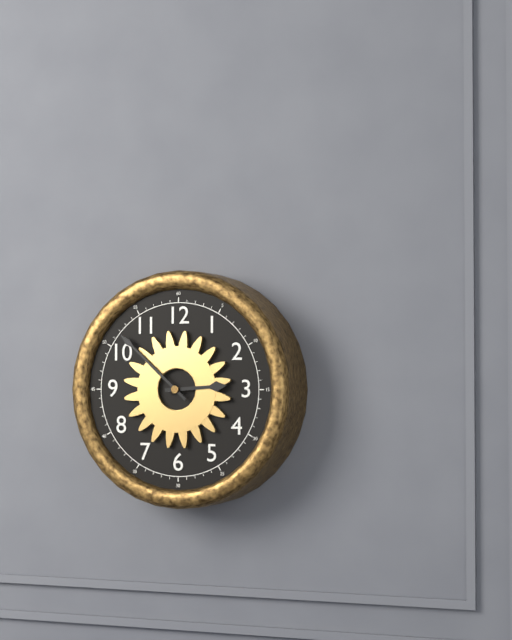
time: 2:52
